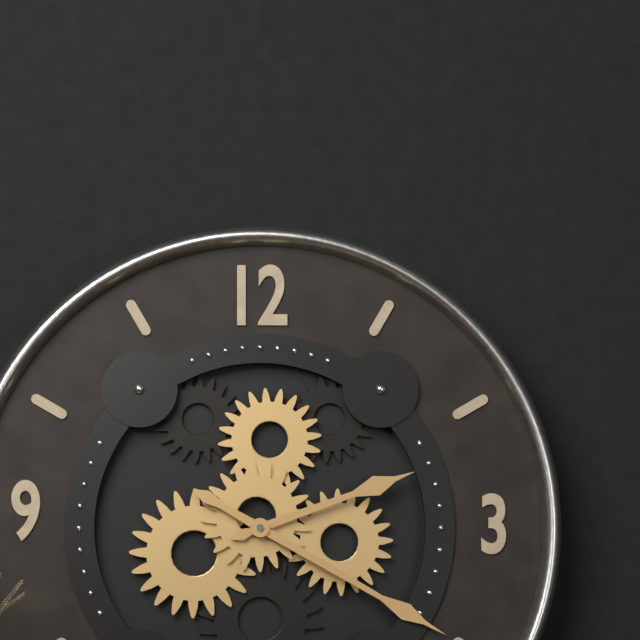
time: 2:20
